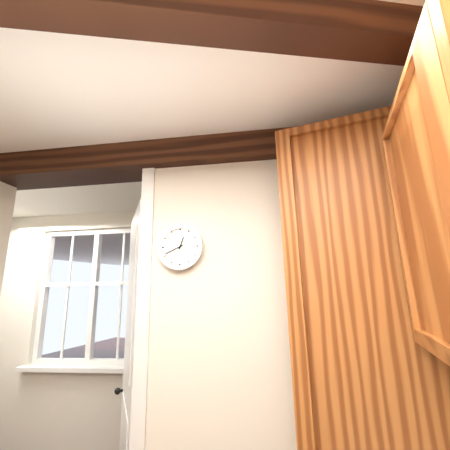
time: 12:41
